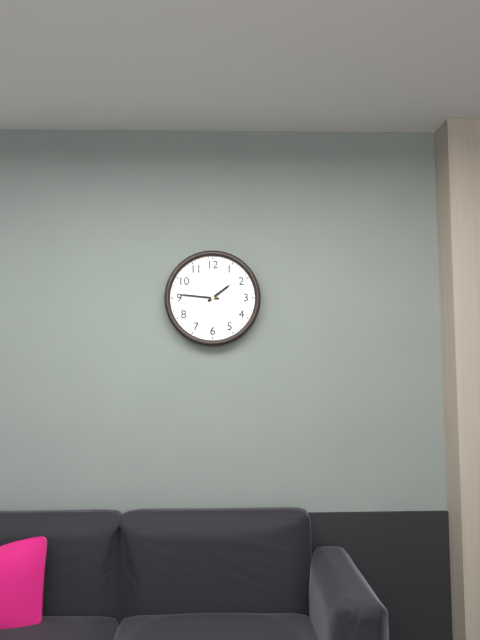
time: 1:46
